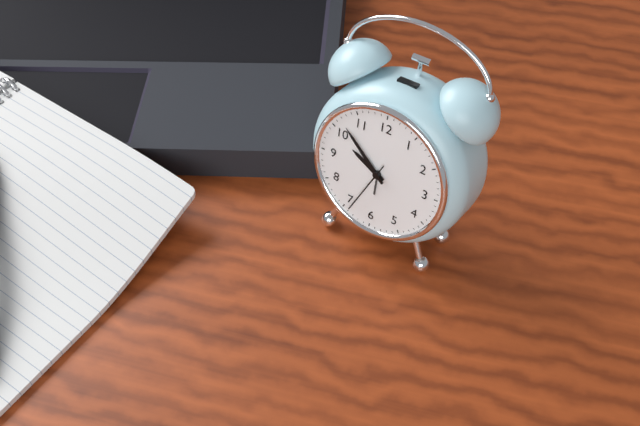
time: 9:52:34
